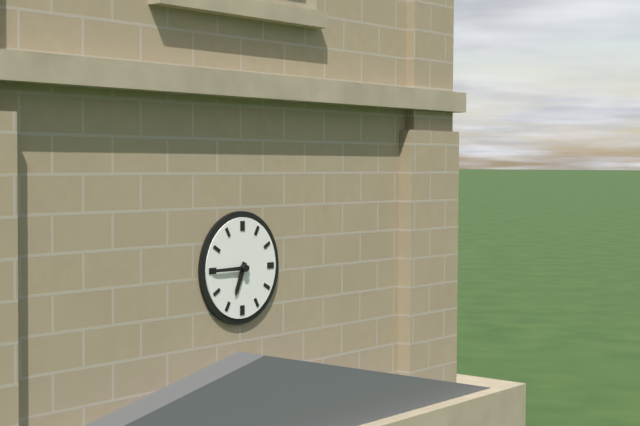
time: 6:45
